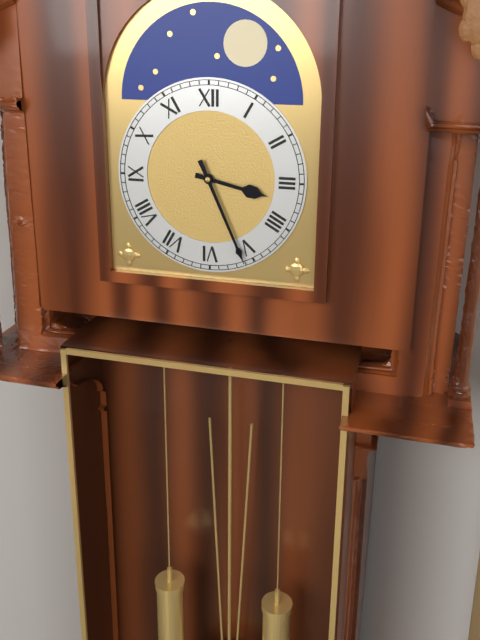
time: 3:26
